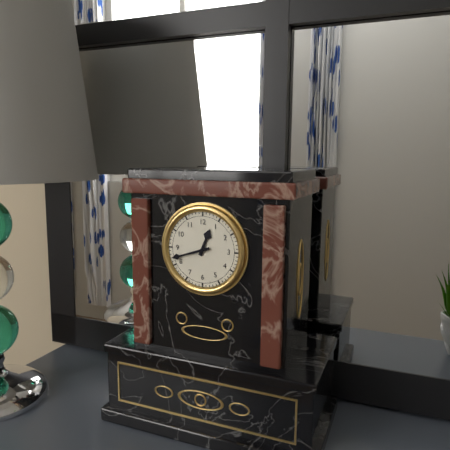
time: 12:42
